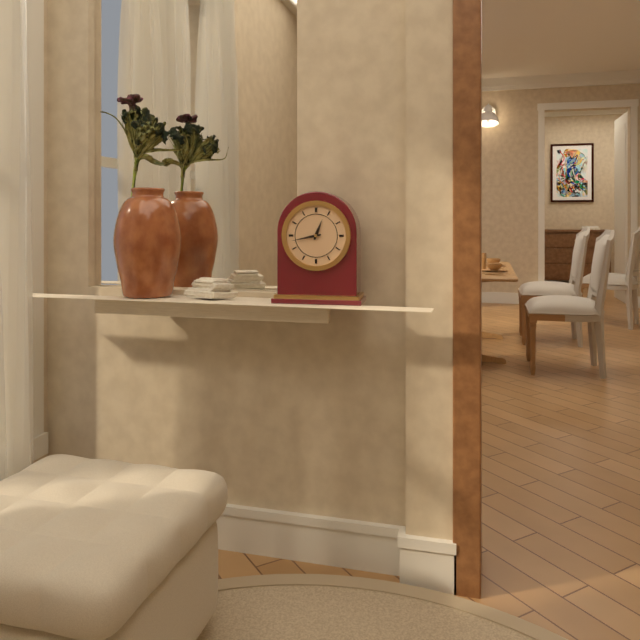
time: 12:43
